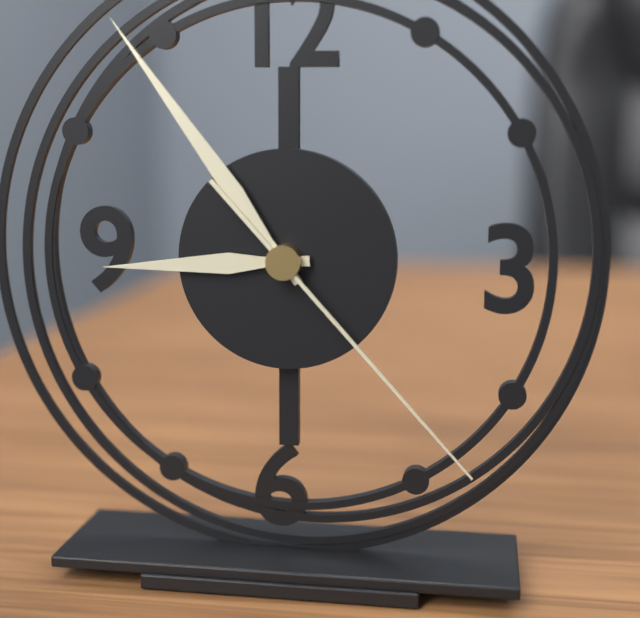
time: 8:54:23
